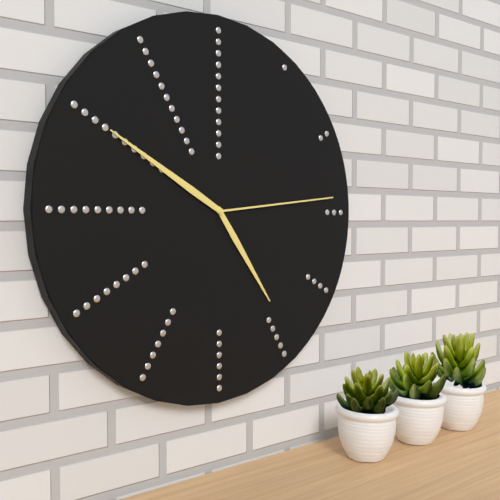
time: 4:50:14
